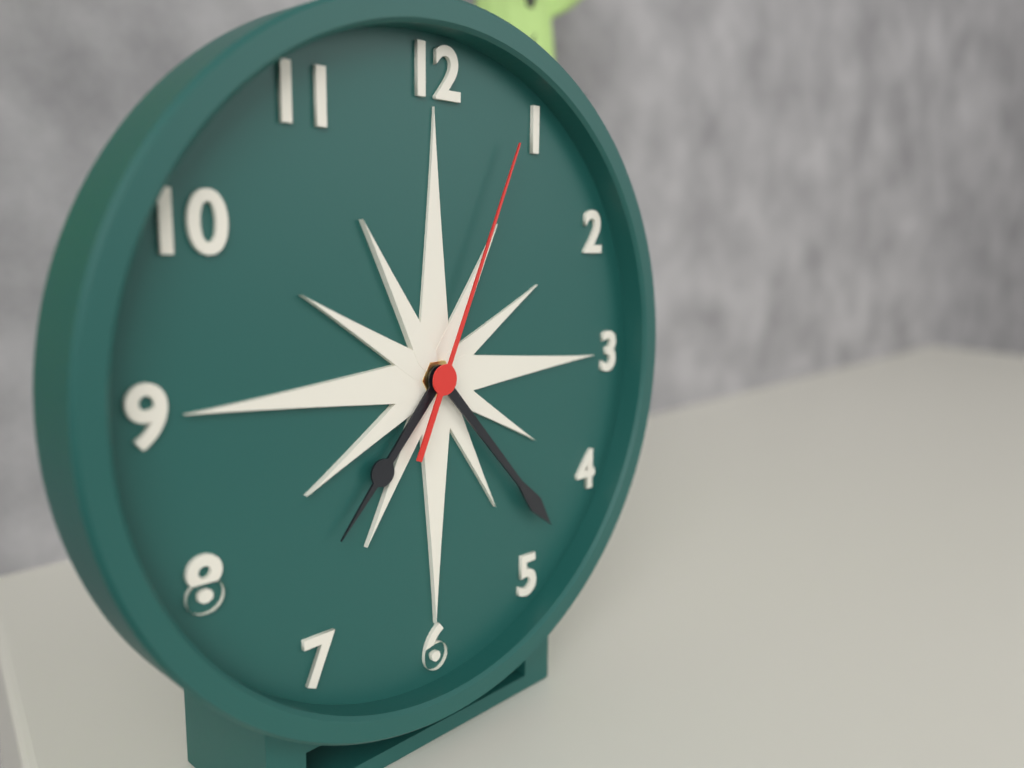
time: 7:23:04
